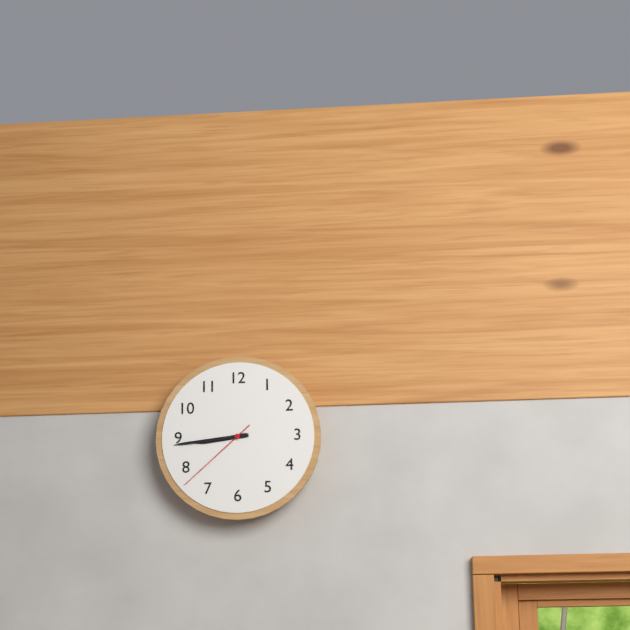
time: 8:44:38
